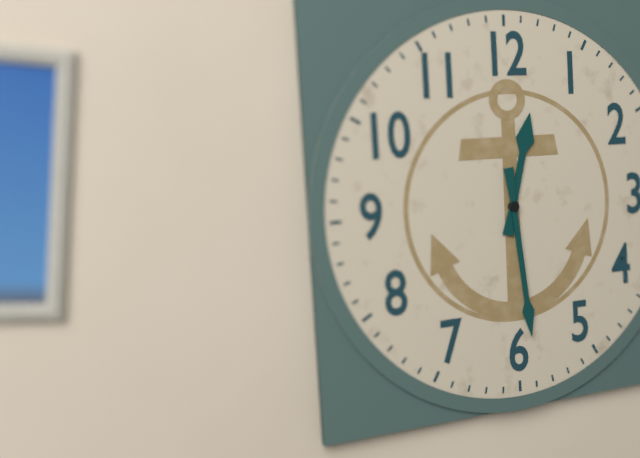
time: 12:29
